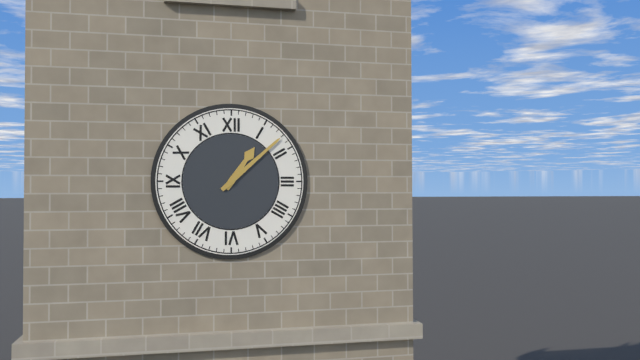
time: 1:08
